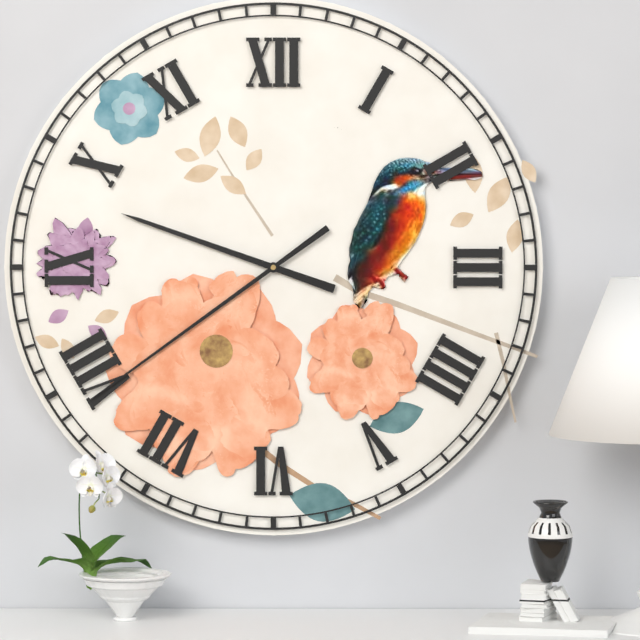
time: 9:39
